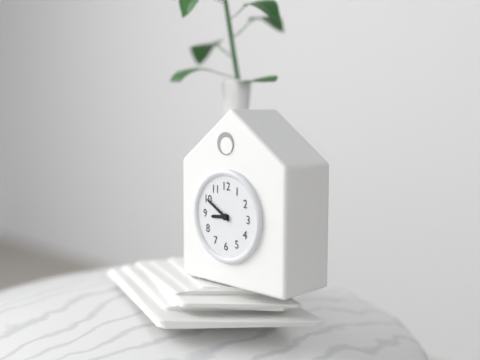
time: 8:50
